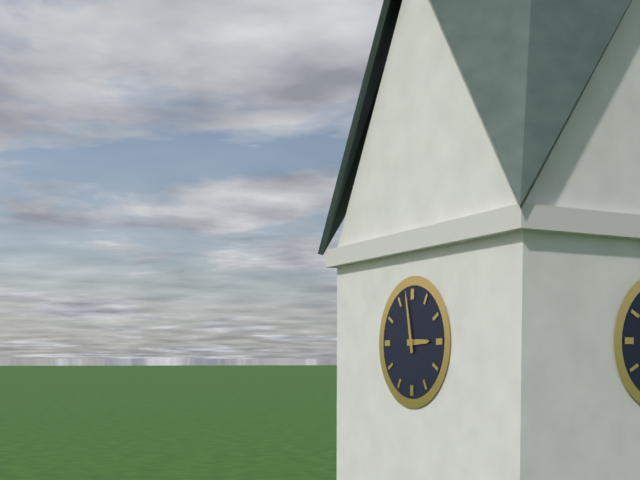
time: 2:58
